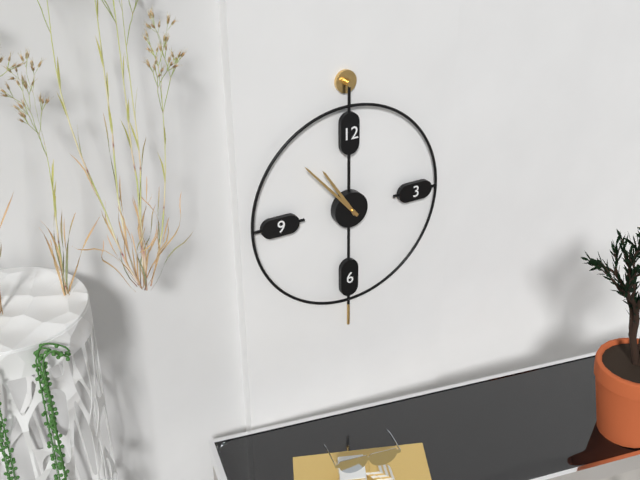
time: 10:53
